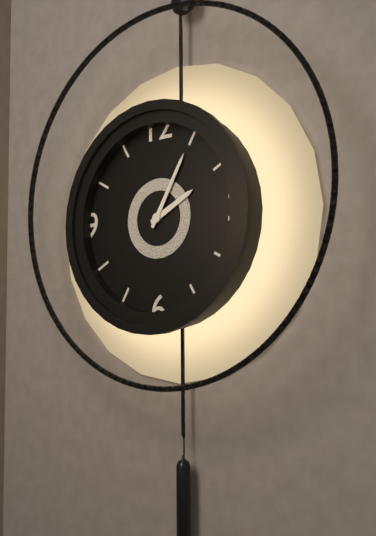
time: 2:05
